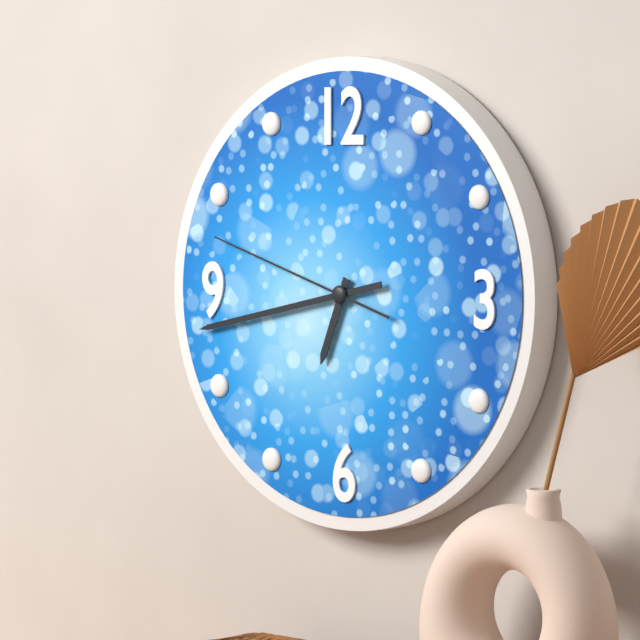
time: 6:43:48
